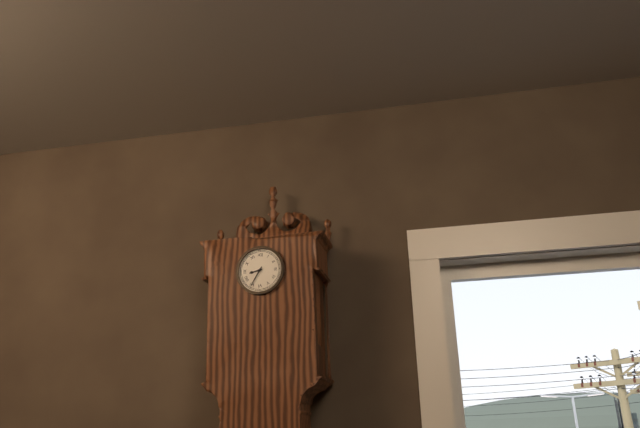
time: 8:35
